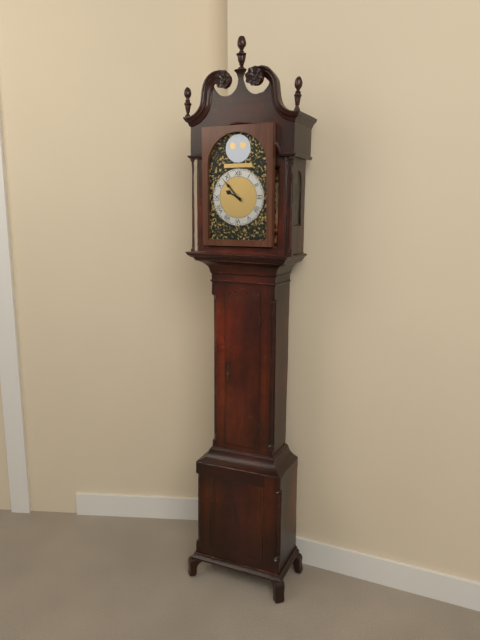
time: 9:53
